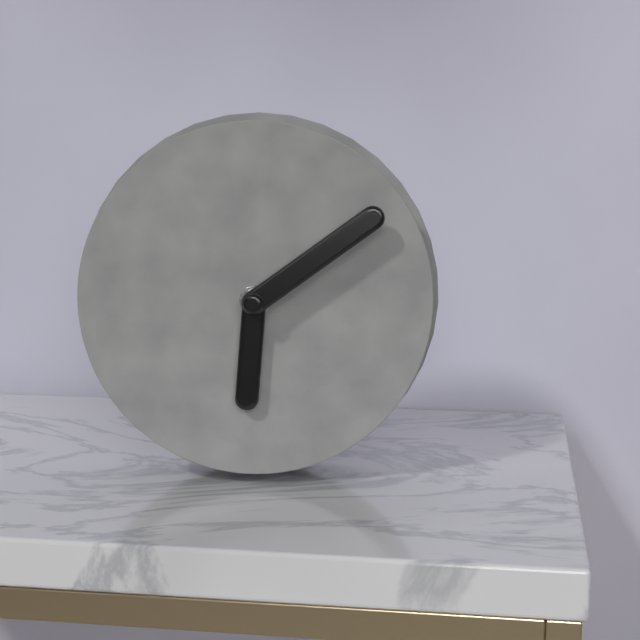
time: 6:09
